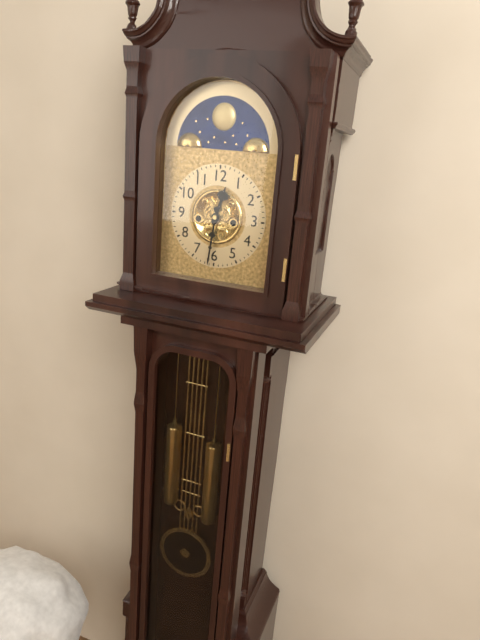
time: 12:31
